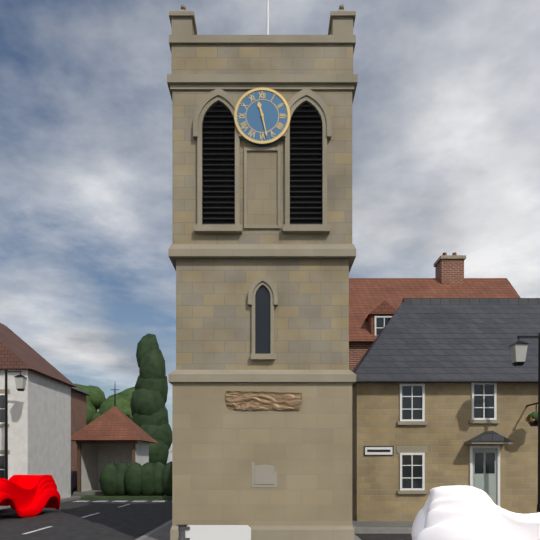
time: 11:28
